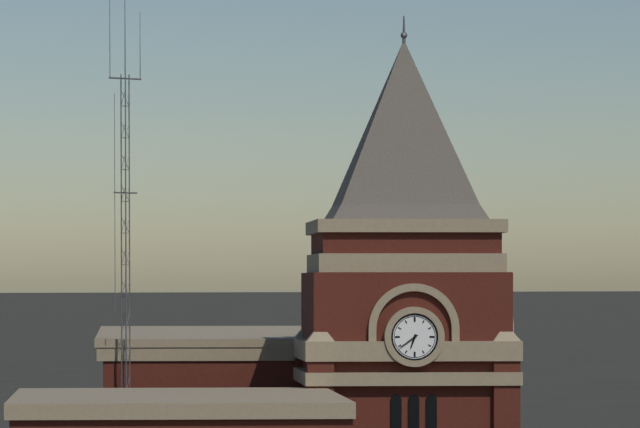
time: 6:39
